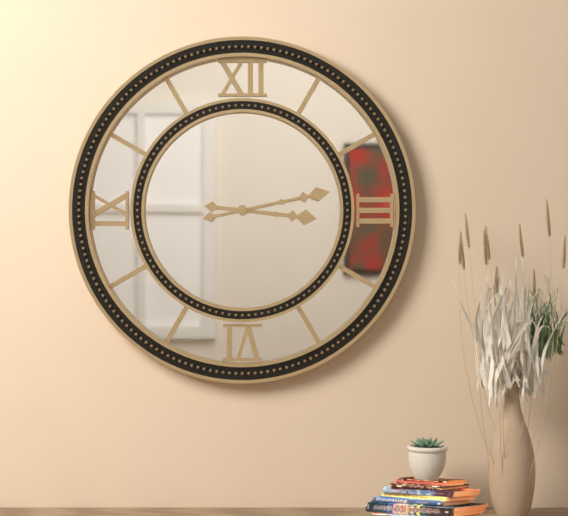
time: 3:13
